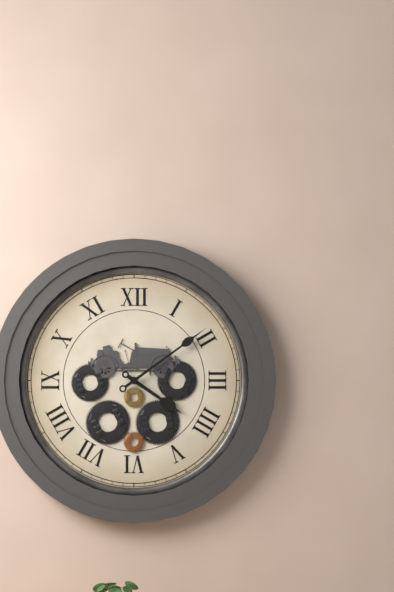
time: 4:09
